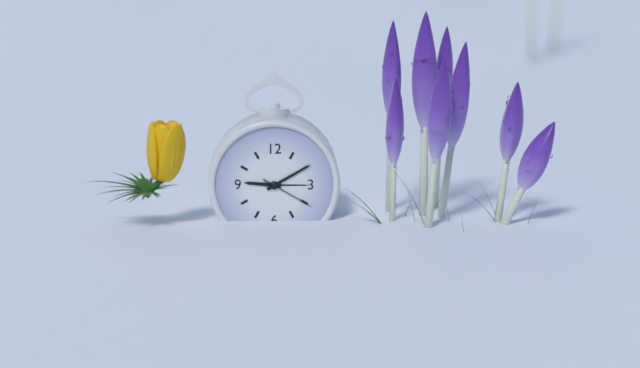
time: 9:10:20
